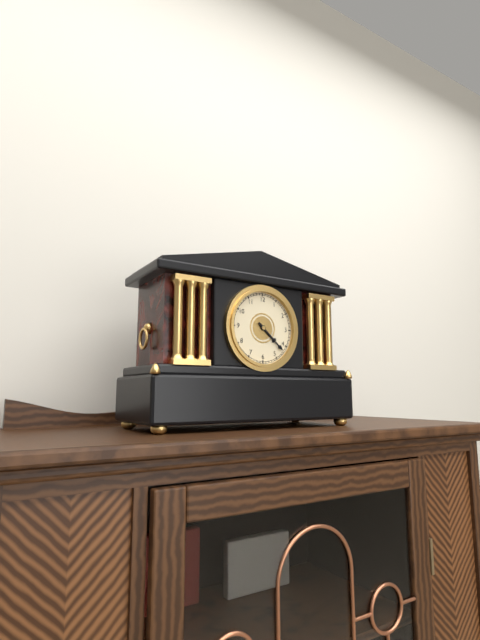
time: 4:22
